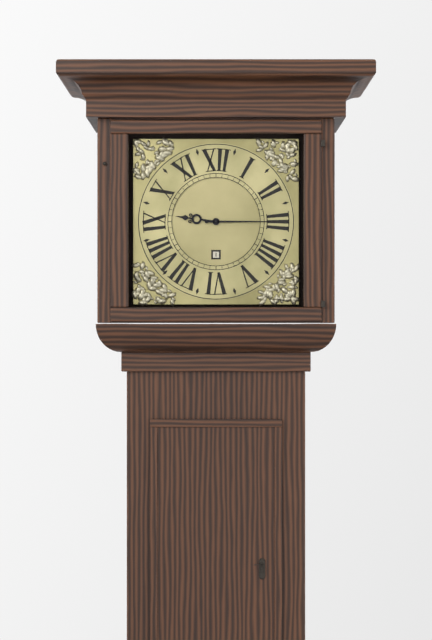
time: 9:15
